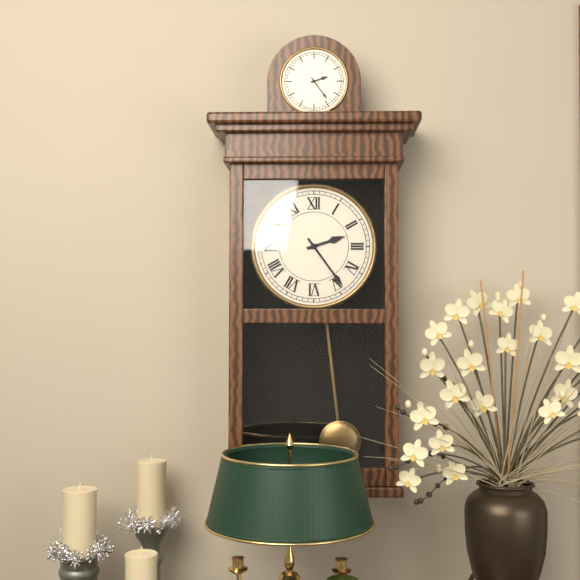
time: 2:24
